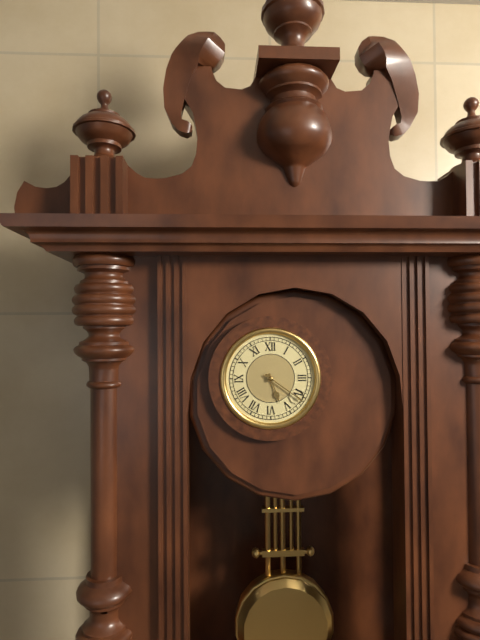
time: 5:21
